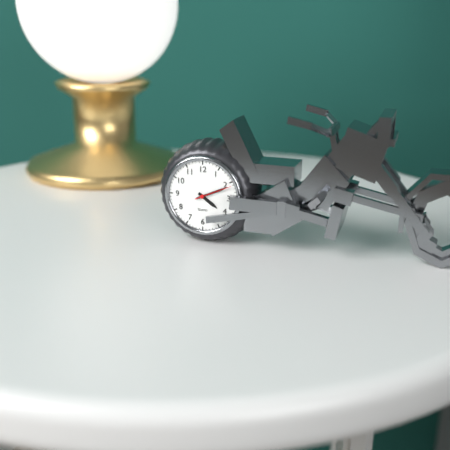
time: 4:11
